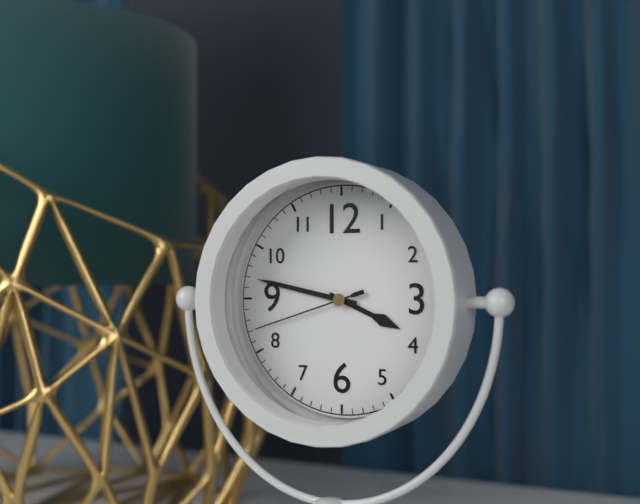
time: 3:47:42
